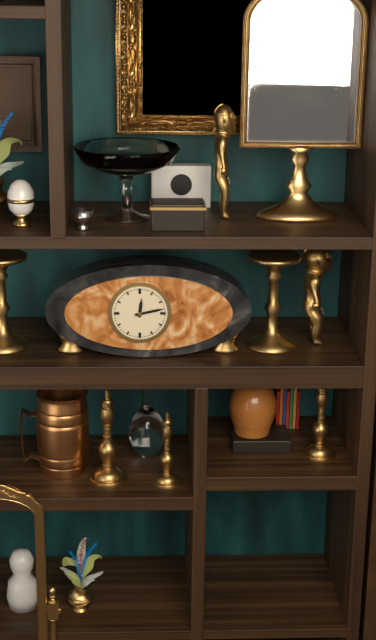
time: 12:13
